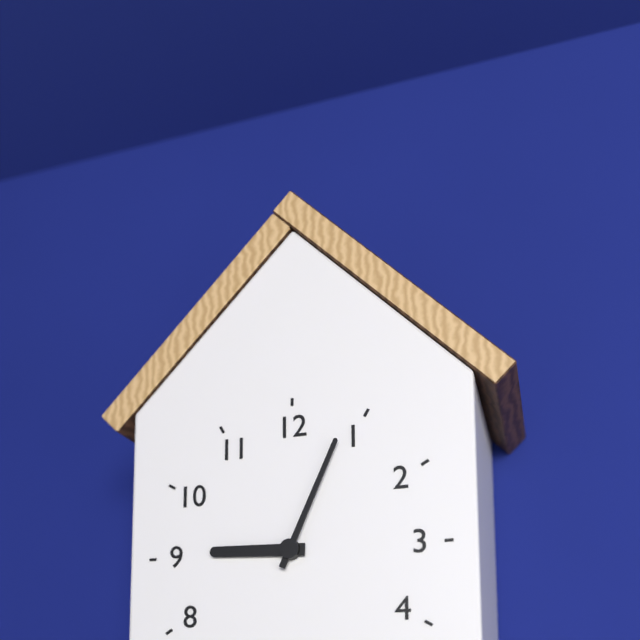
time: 9:04
